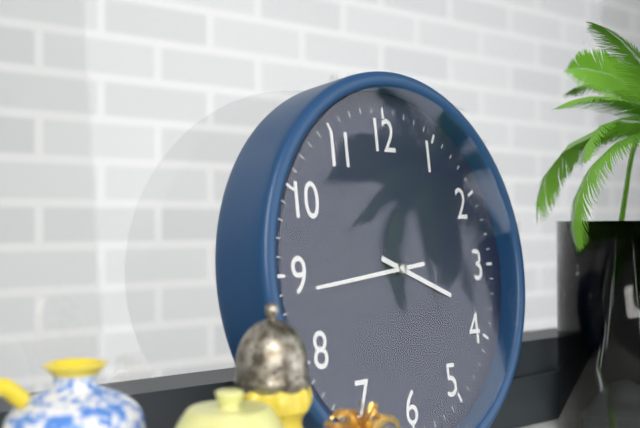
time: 3:44
